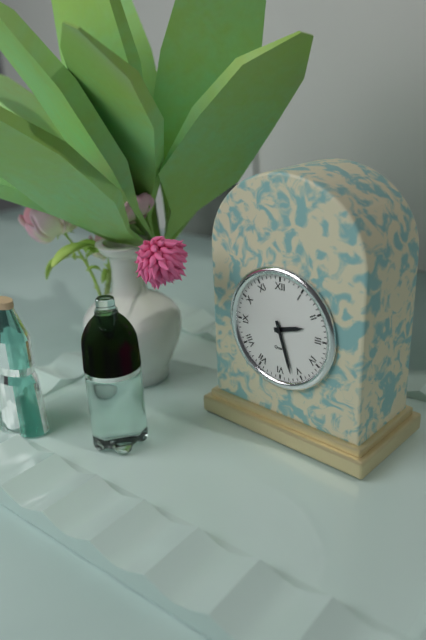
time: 2:27
